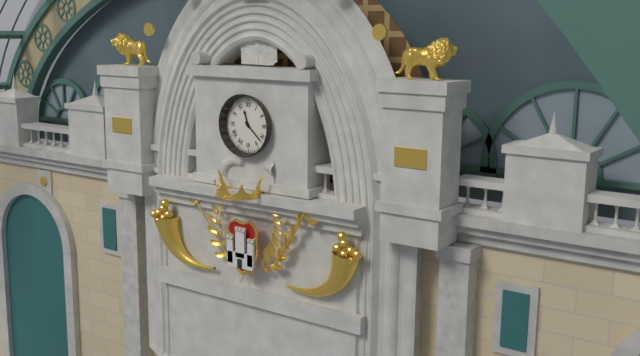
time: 11:22
